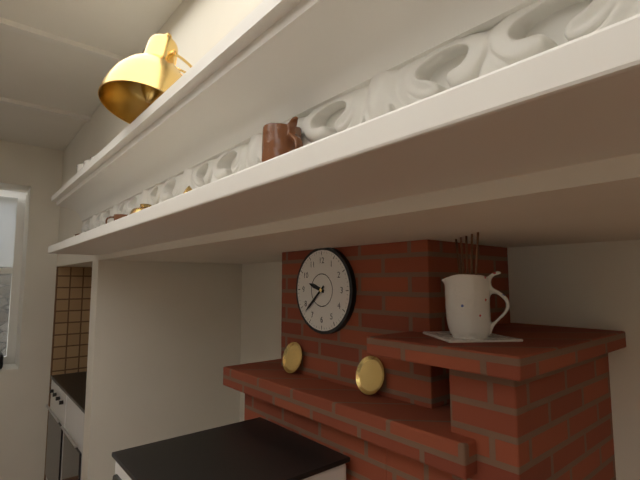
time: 9:38
